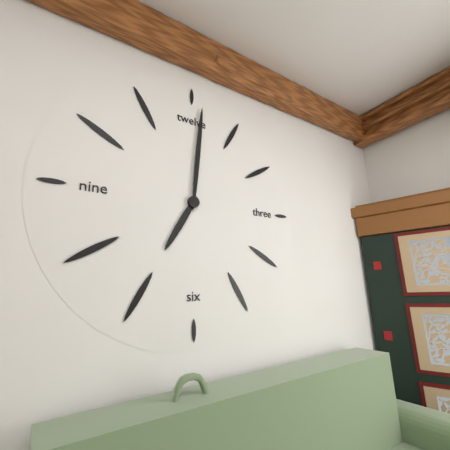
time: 7:01
